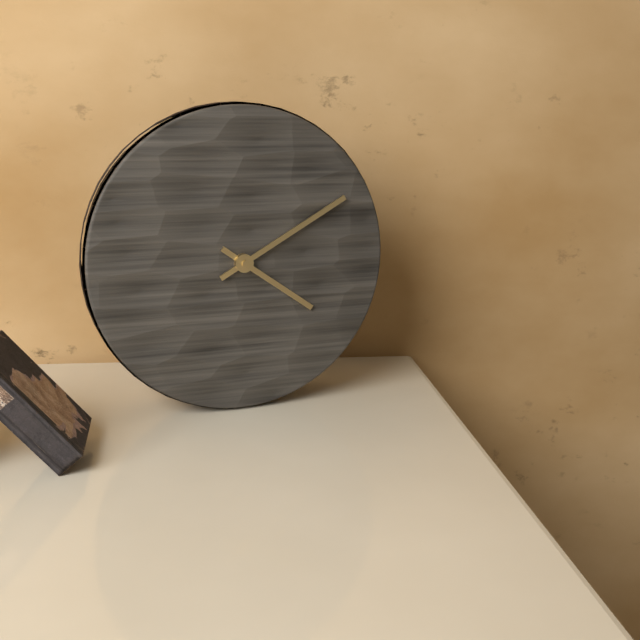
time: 4:10
